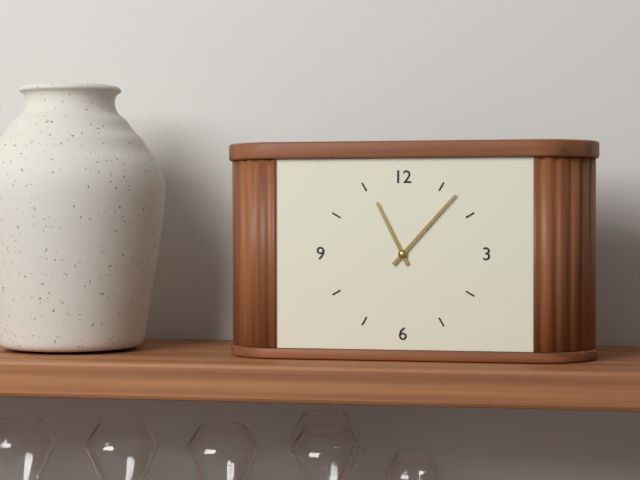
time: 11:07
